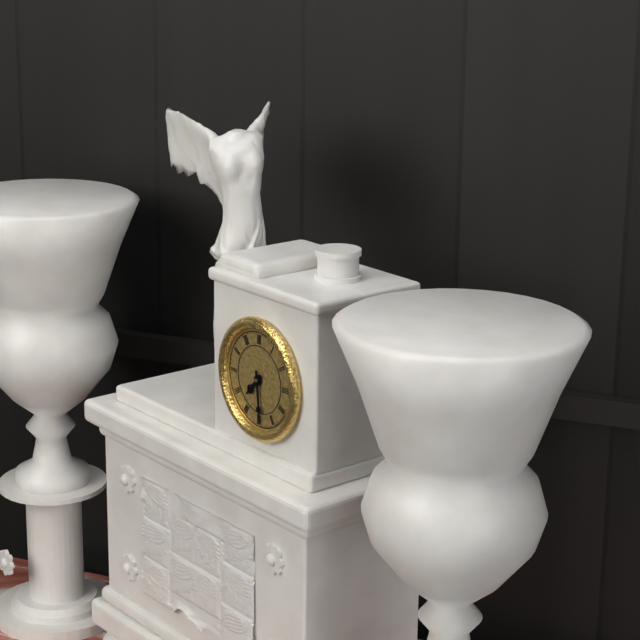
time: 7:29
